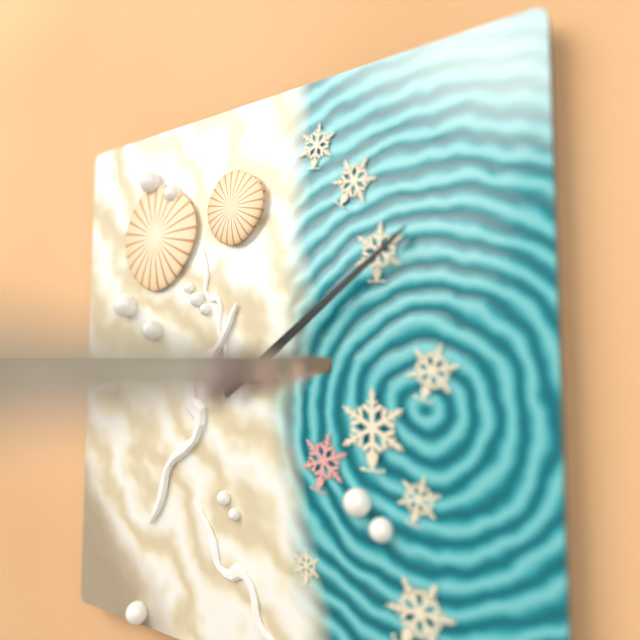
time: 9:09
